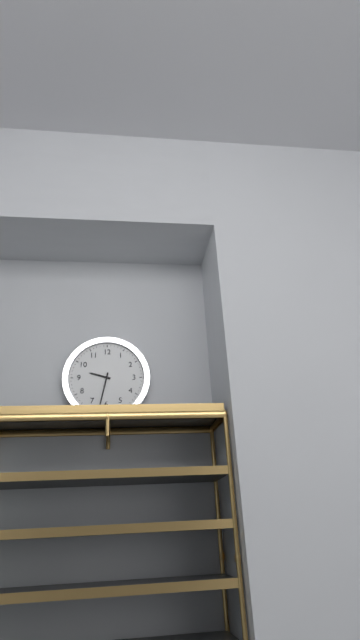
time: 9:32
